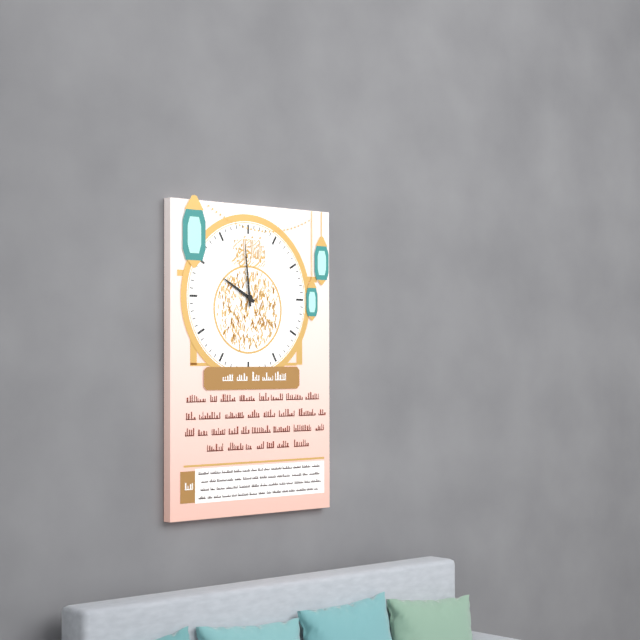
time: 9:59
